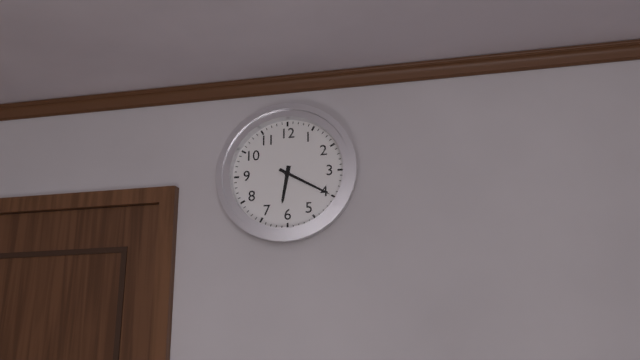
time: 6:20
